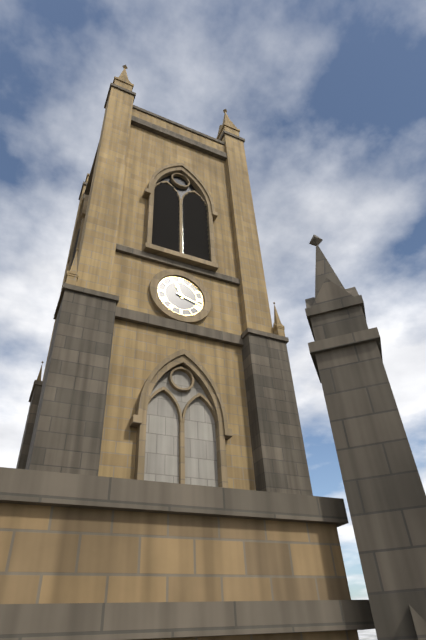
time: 11:18
